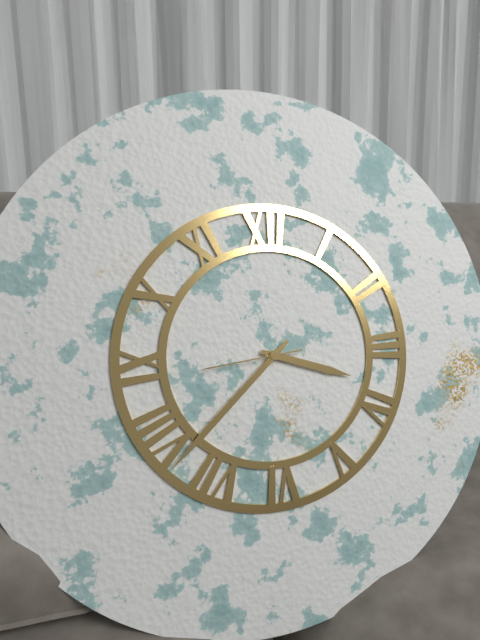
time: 3:38:44
